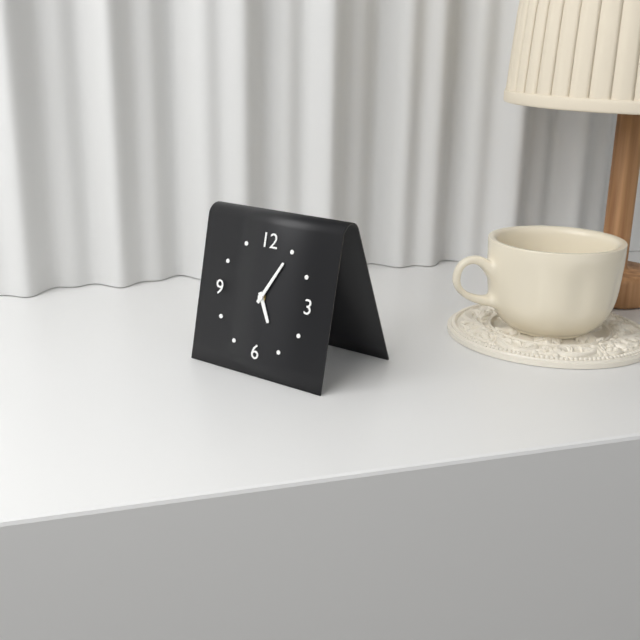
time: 5:05
